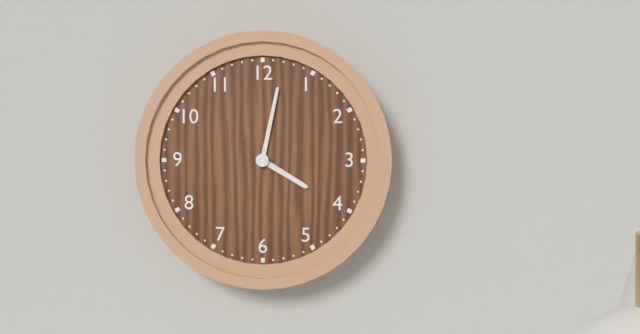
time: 4:02
